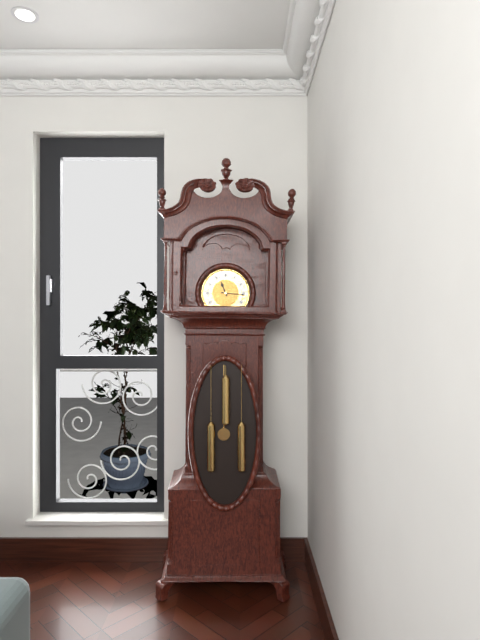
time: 11:16
